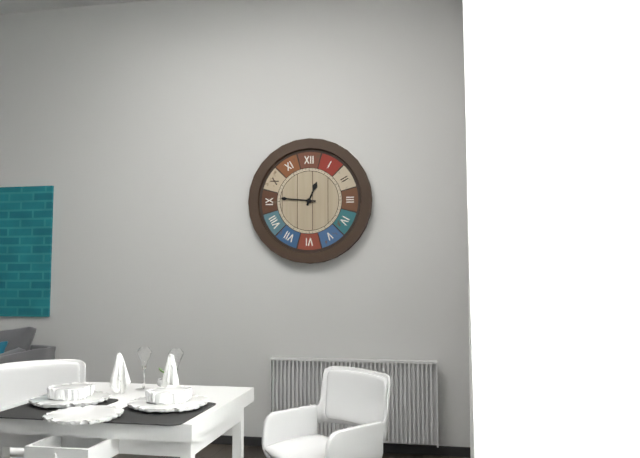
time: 12:46
